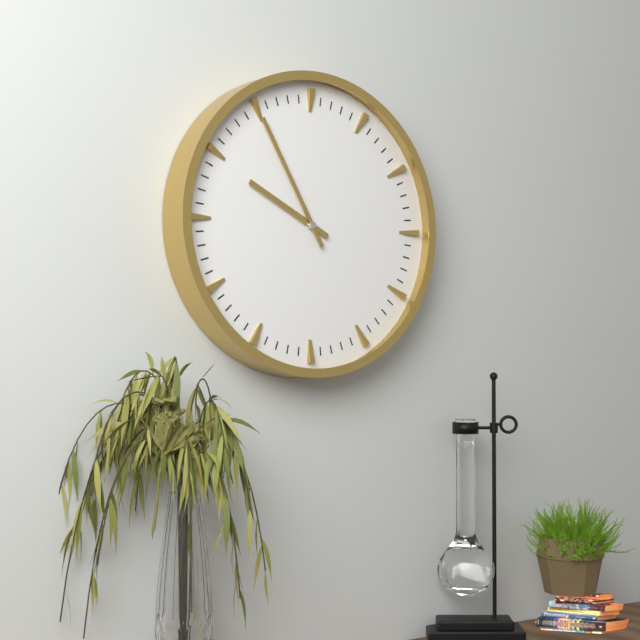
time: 9:55
